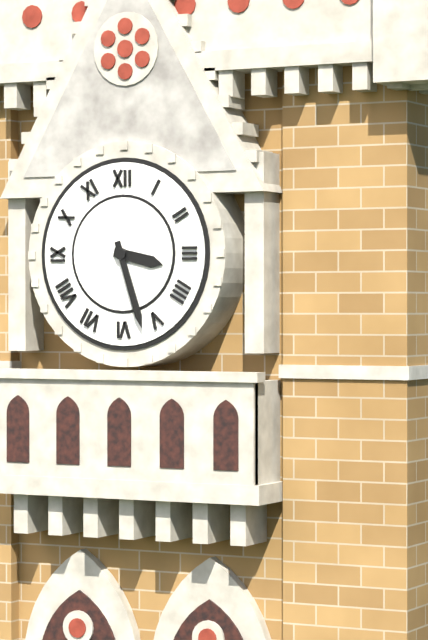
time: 3:27
